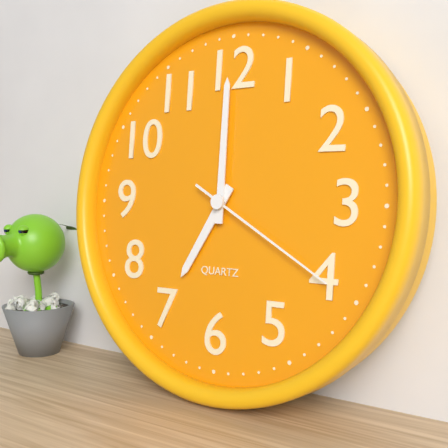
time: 7:00:20
